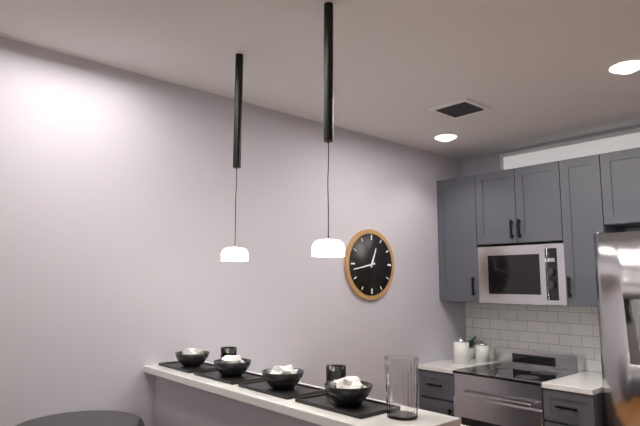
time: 12:43
